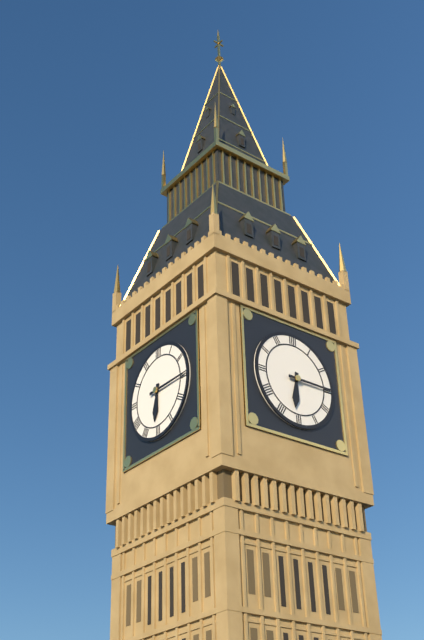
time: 6:15
